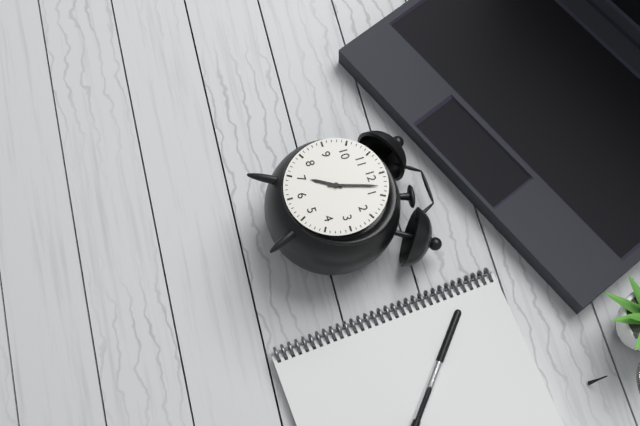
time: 7:03
